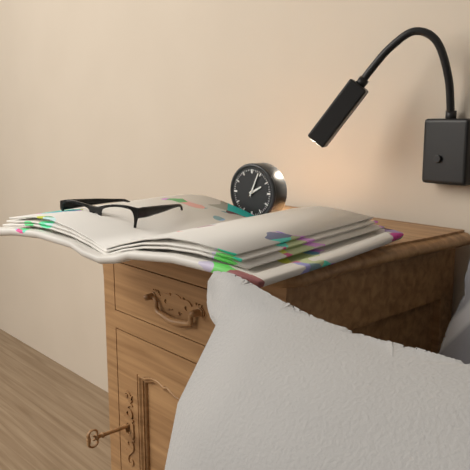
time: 2:04
